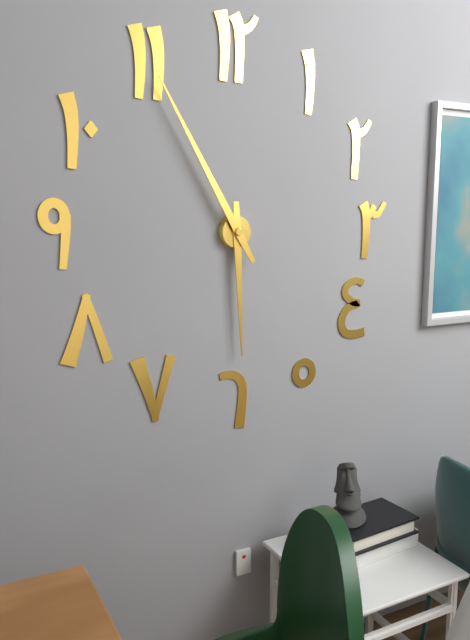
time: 5:55
